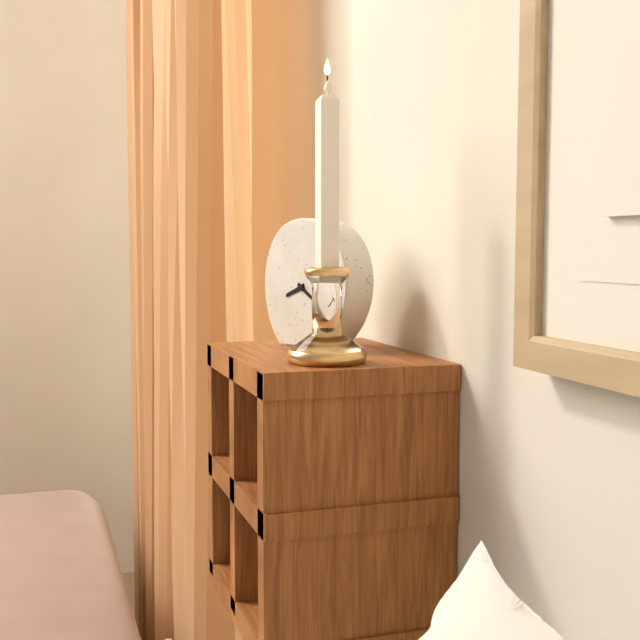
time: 8:20
